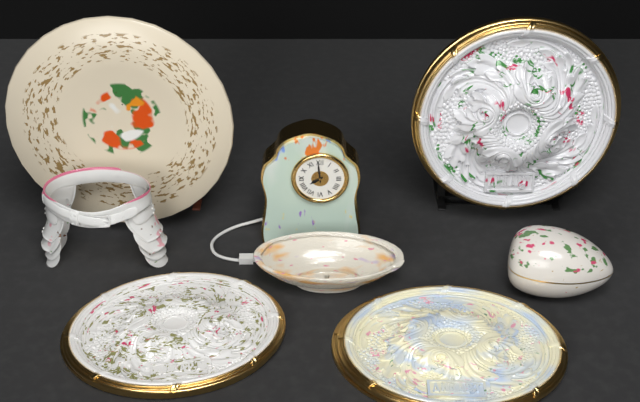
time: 7:59
